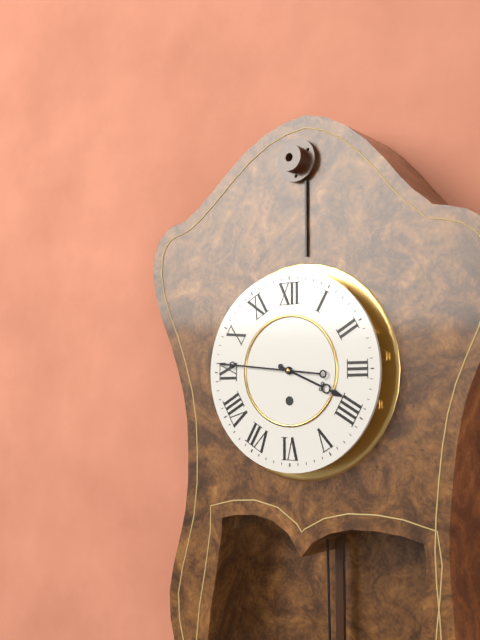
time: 3:46
